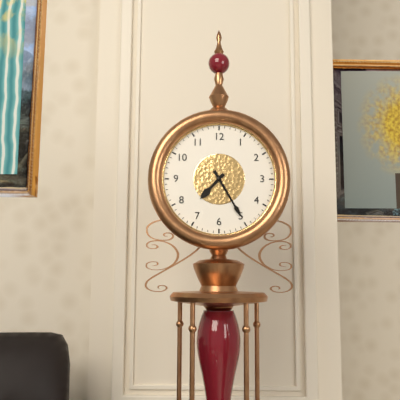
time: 7:25
